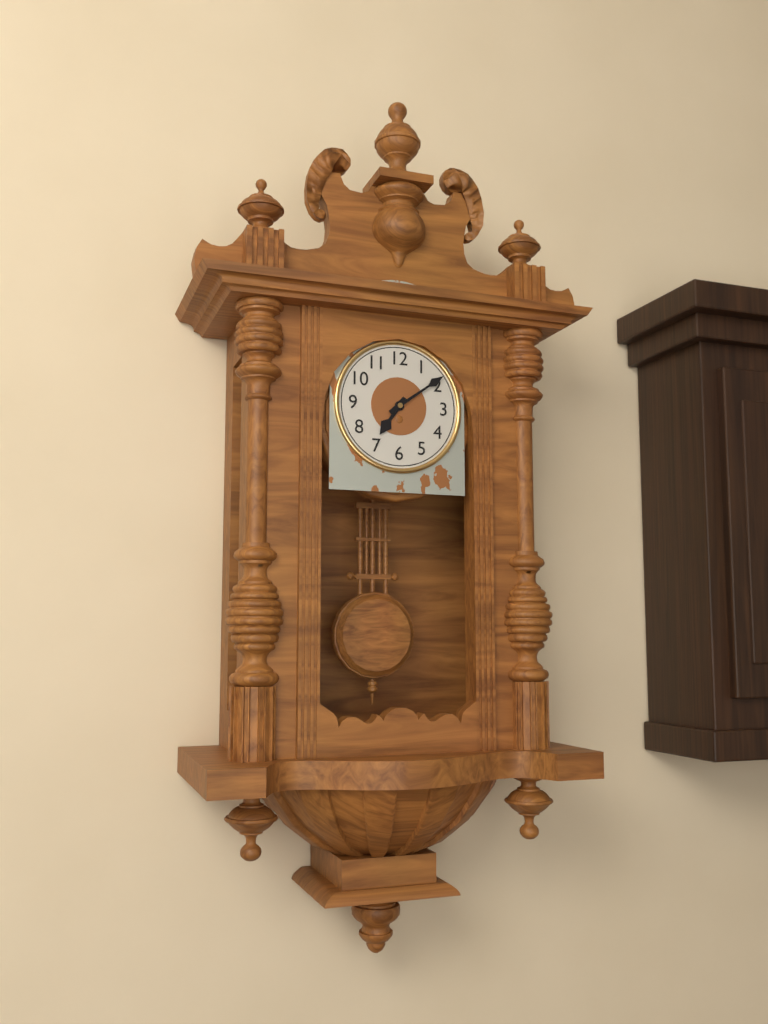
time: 7:09
